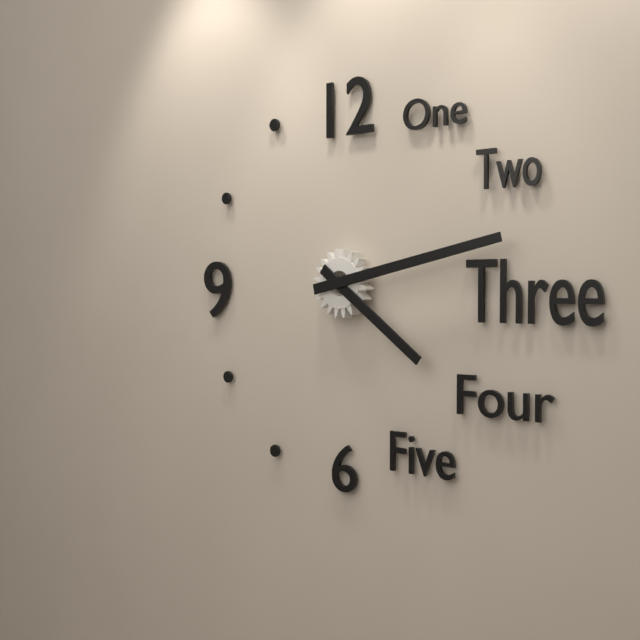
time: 4:13
